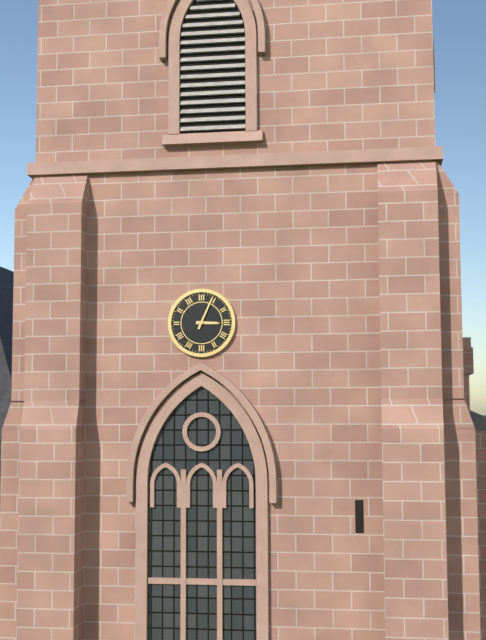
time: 3:04
